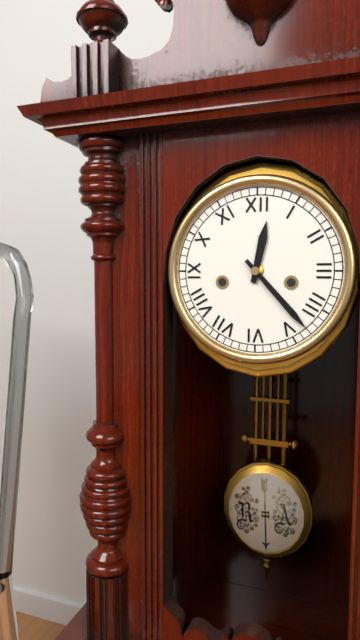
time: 12:23
